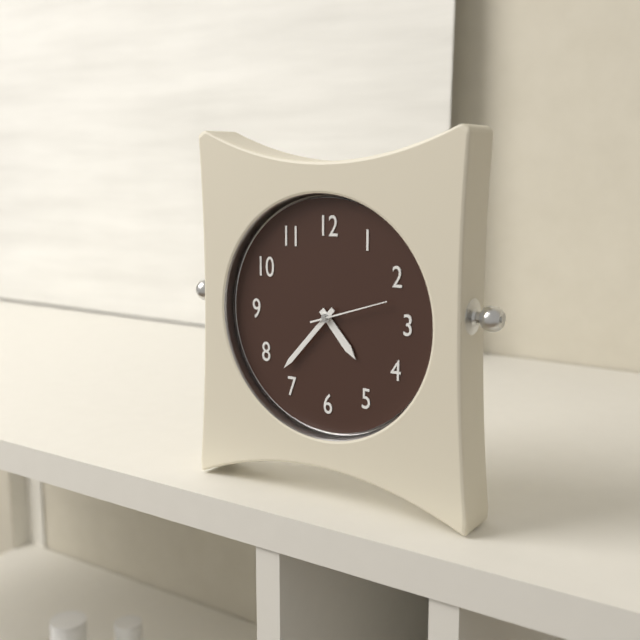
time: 4:37:12
